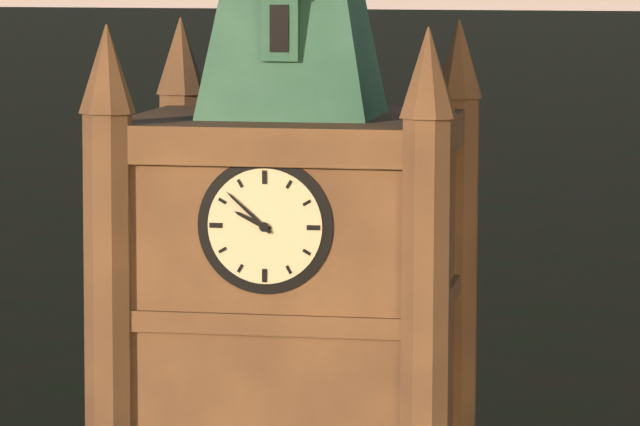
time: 9:52
